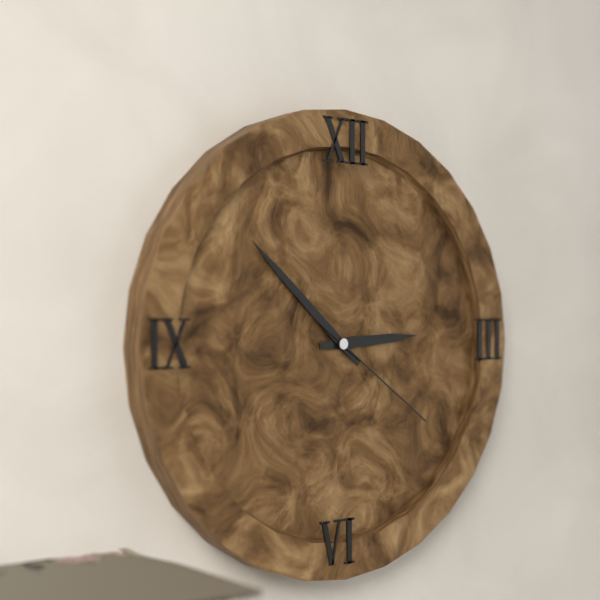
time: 2:52:21
